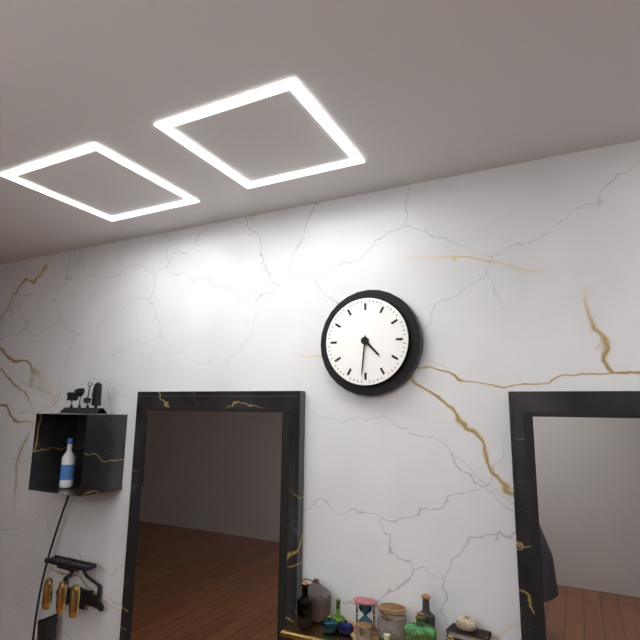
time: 4:31
